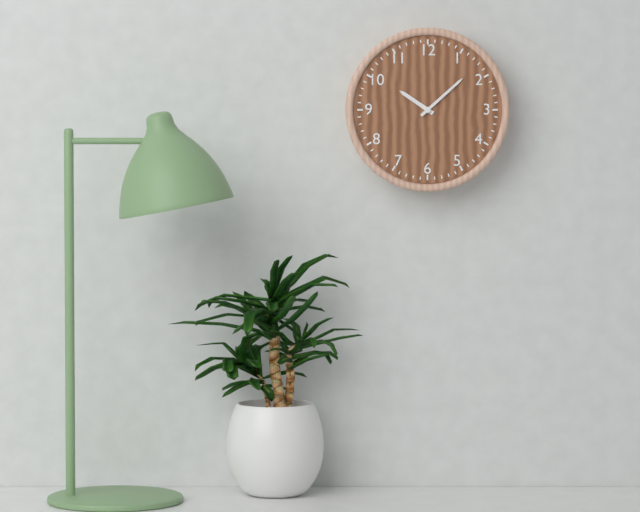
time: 10:08
